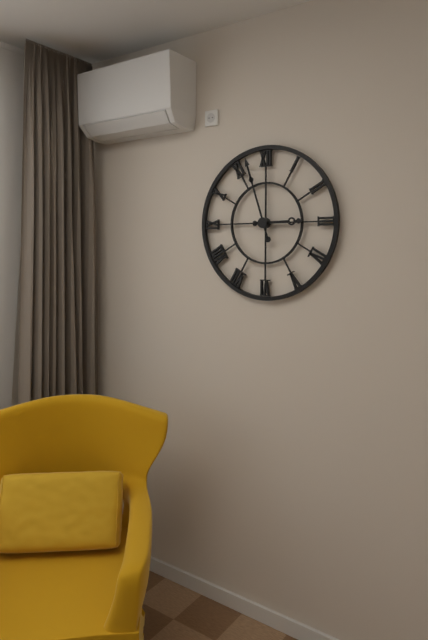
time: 2:57
